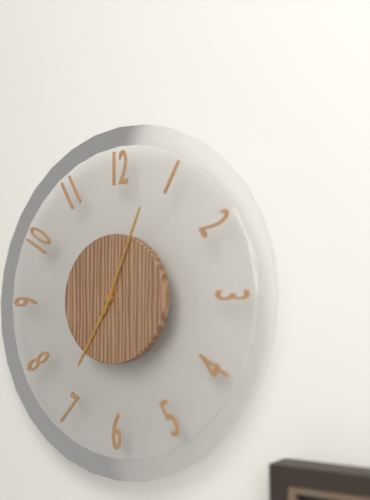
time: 7:04
